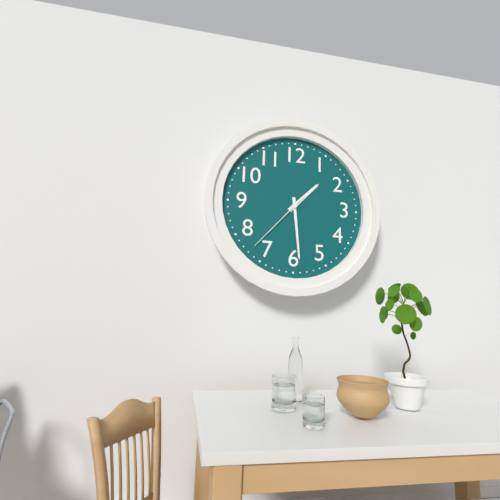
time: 1:29:37
